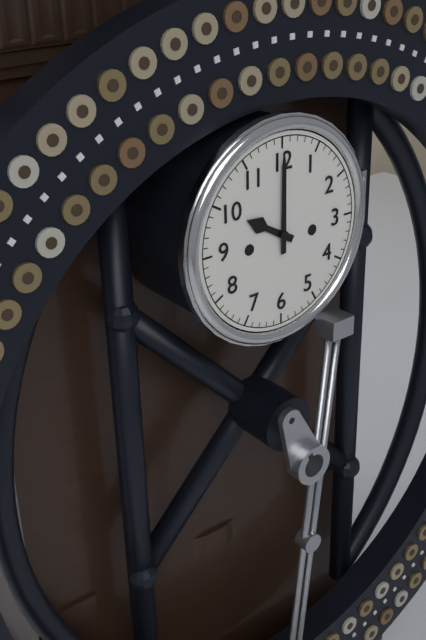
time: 10:00
